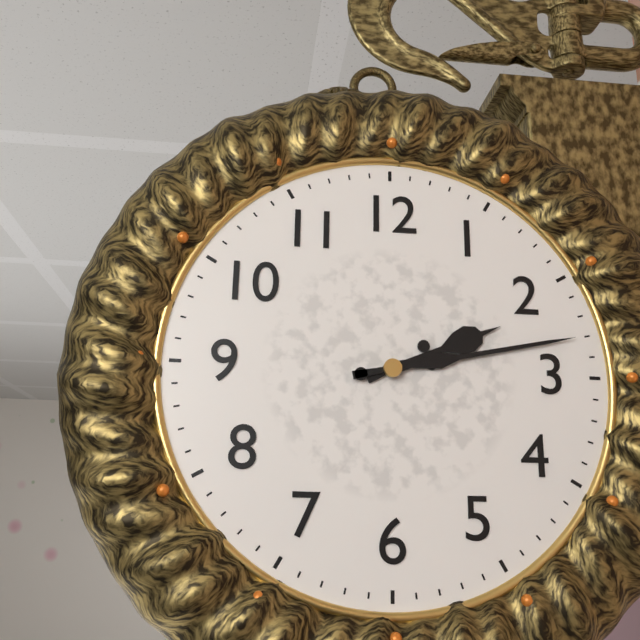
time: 2:13
